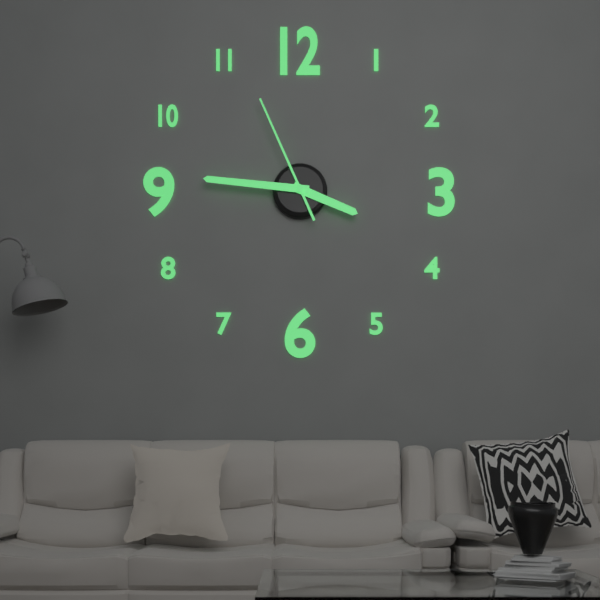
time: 3:46:56
